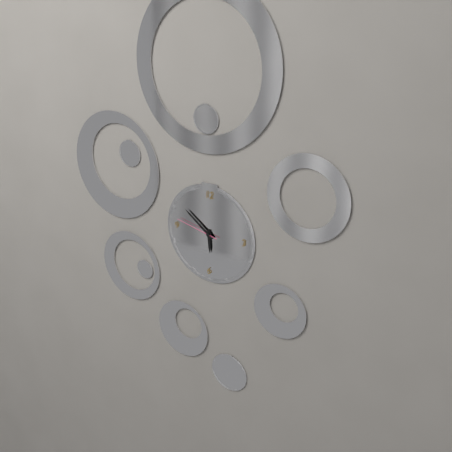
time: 5:51
